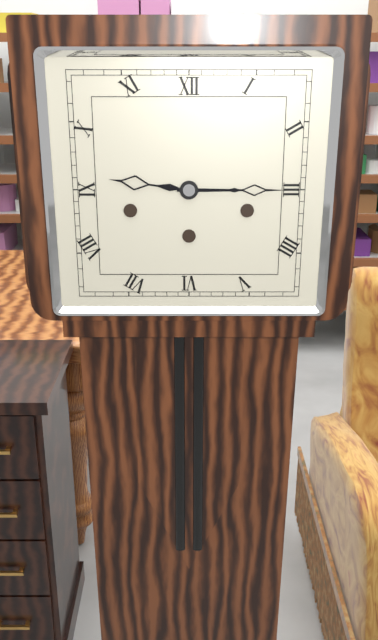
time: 9:15
